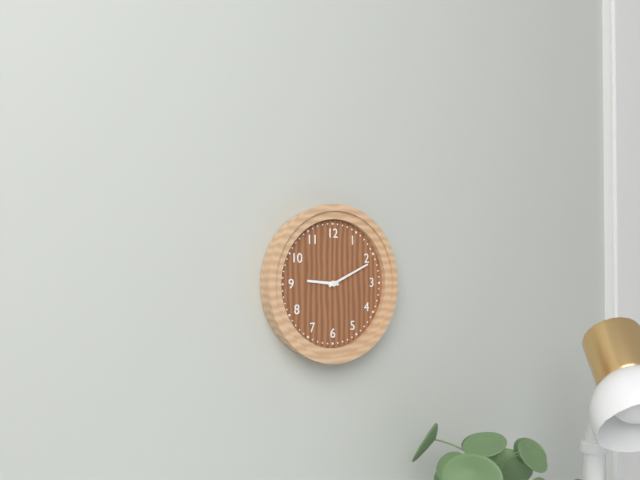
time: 9:11
